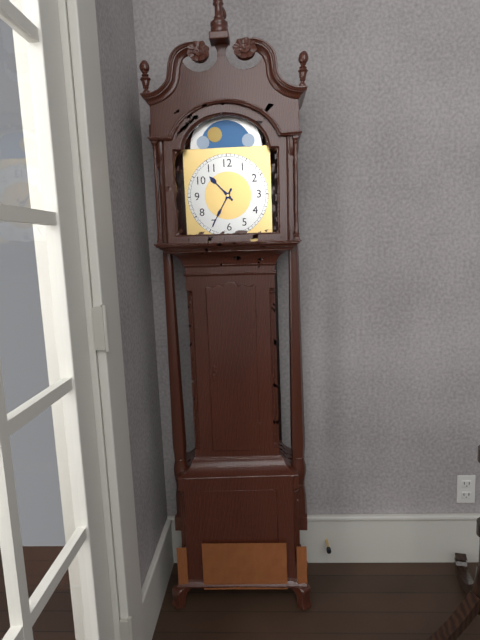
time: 10:35
